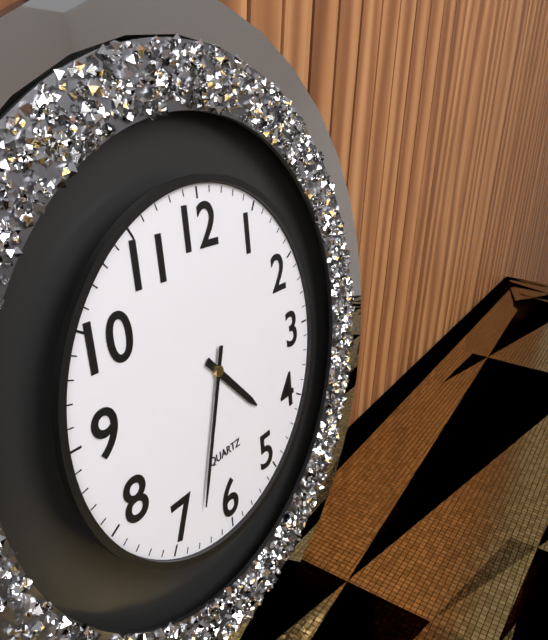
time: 4:33
